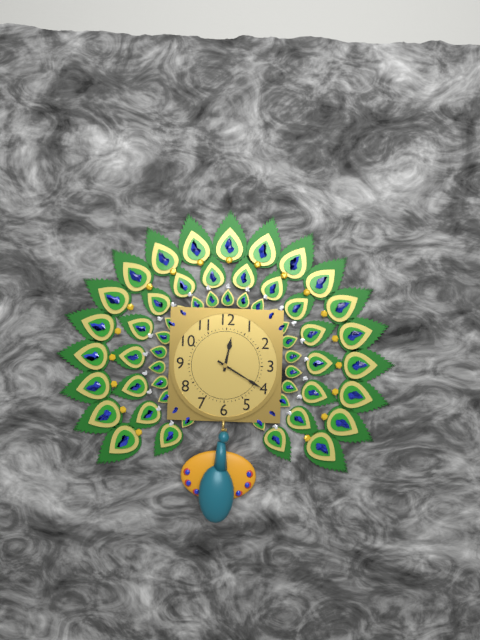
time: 12:20
